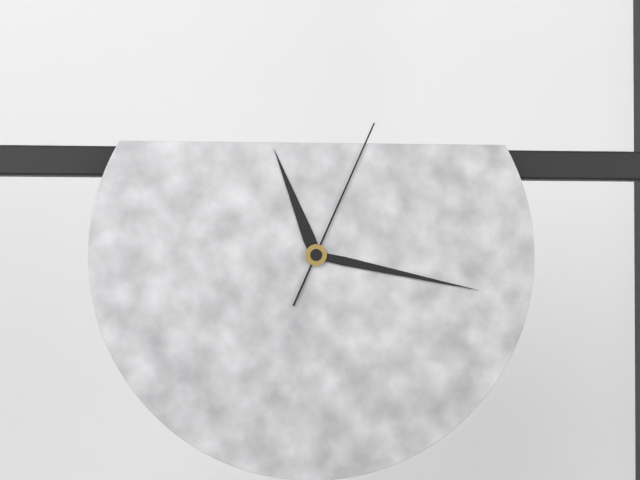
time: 11:17:04
